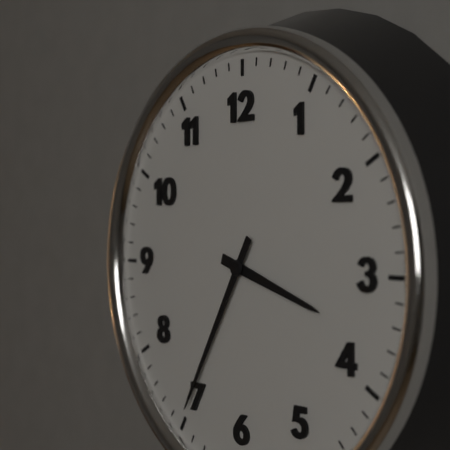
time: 3:35
